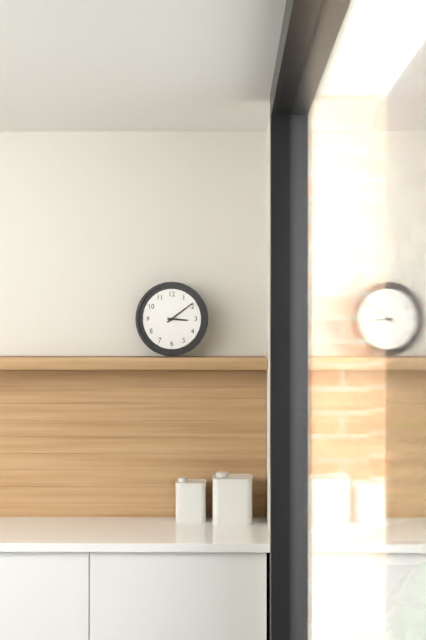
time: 3:09
